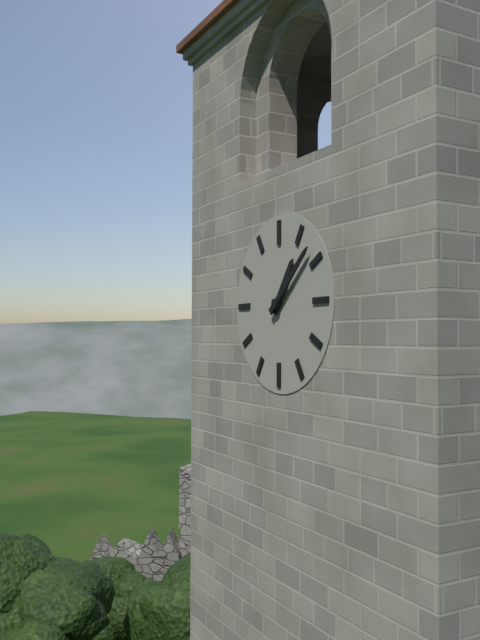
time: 1:08
